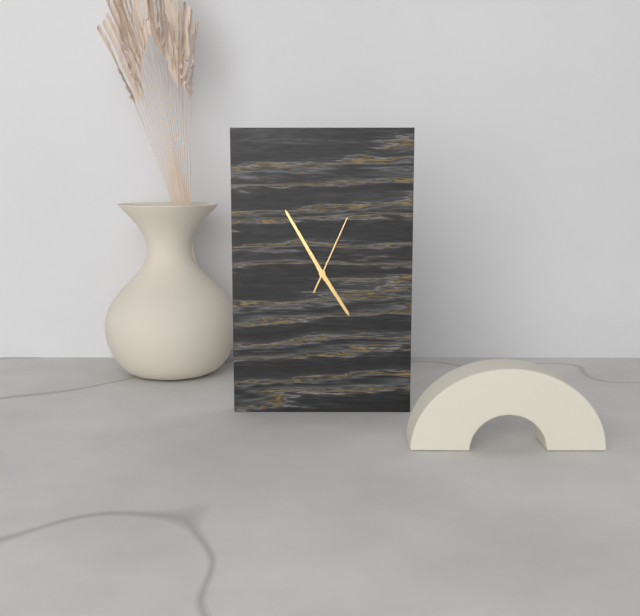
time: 4:55:04
